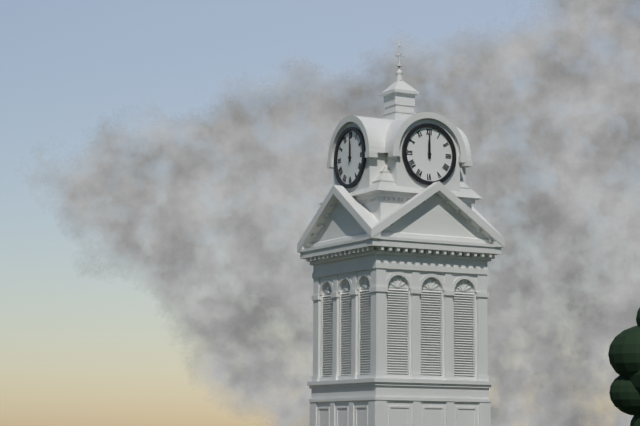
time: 12:00
